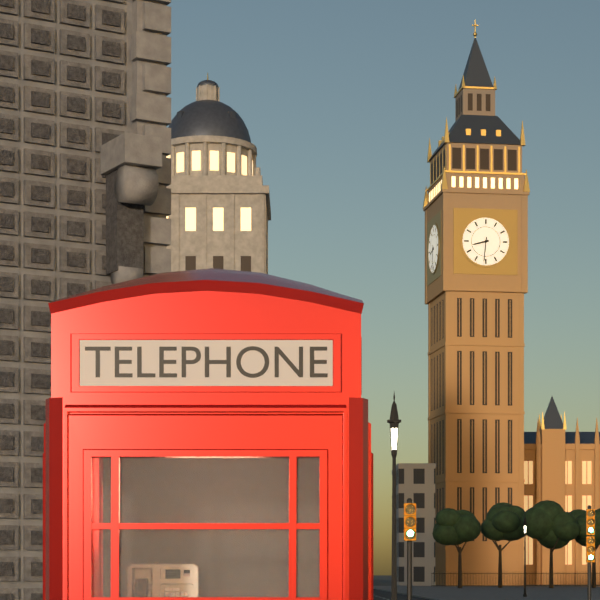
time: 8:31
